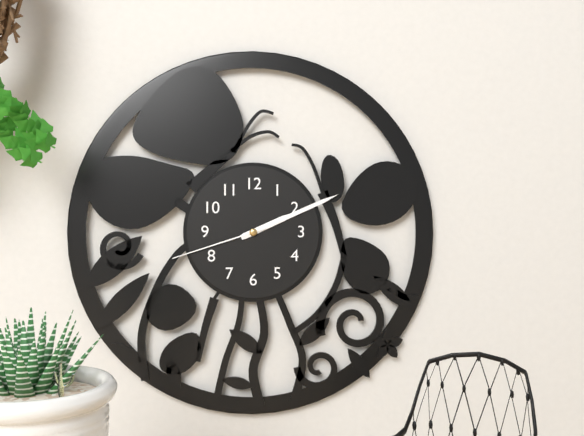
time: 2:11:42
